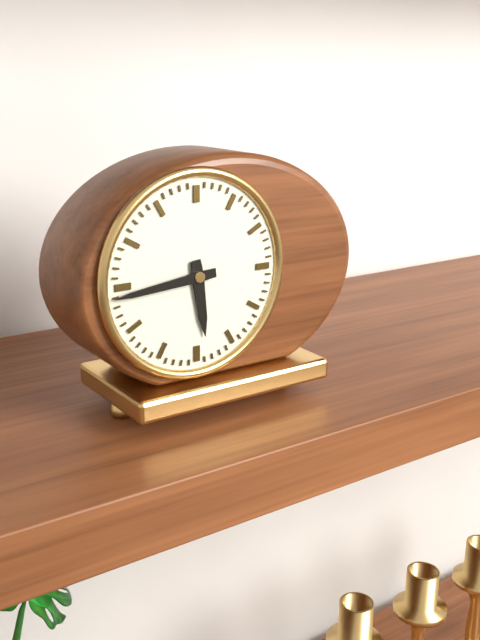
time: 5:44
